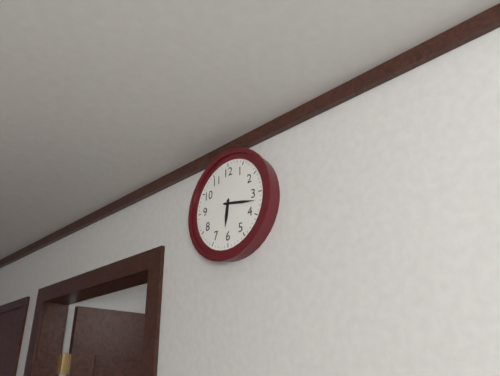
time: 6:17
